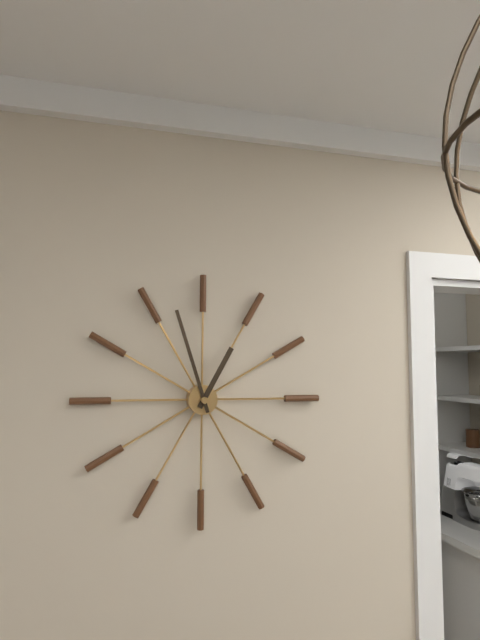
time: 12:57
